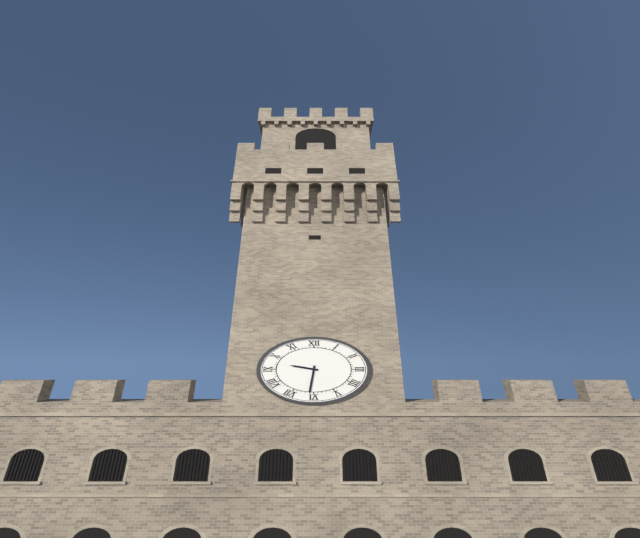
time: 9:31
